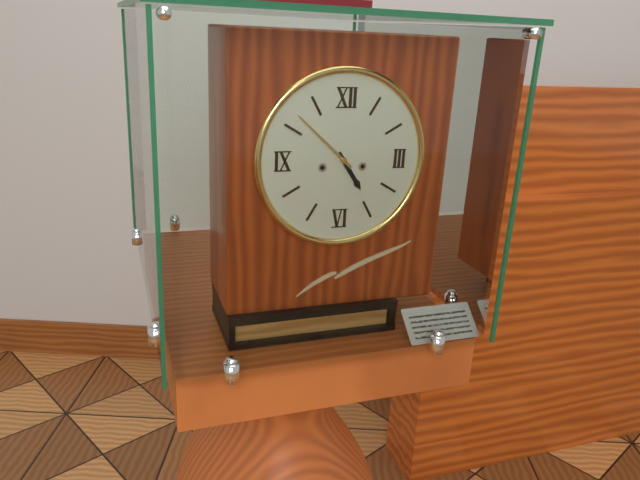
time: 4:52
